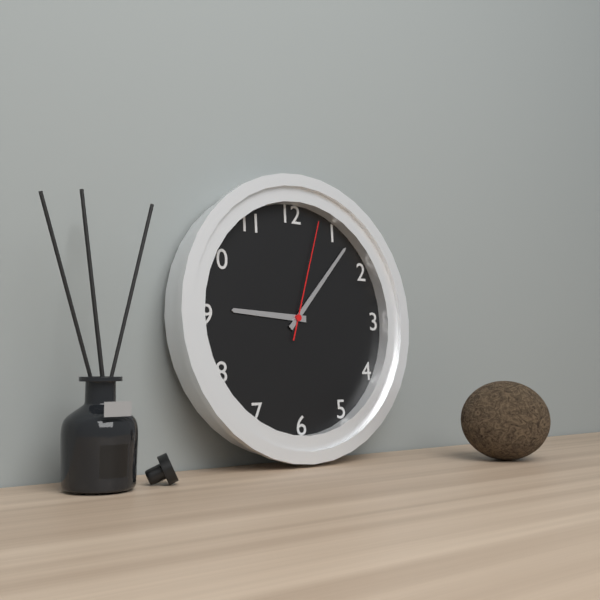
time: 9:07:03
